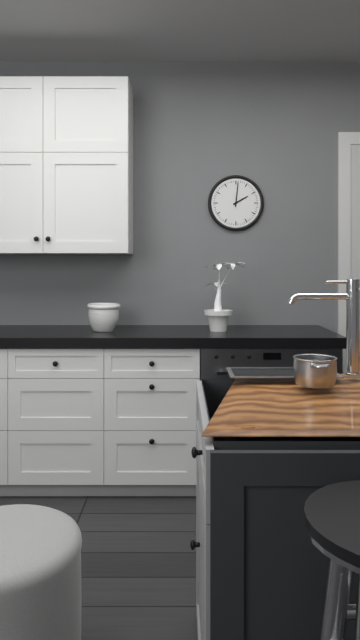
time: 2:01
